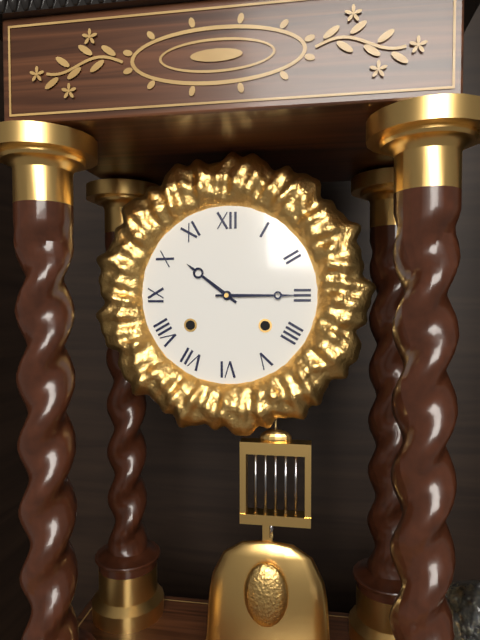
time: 10:15
